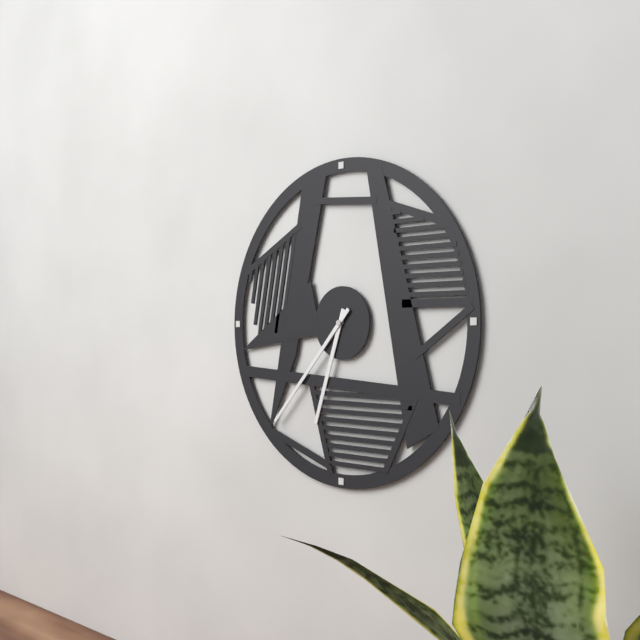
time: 6:37
